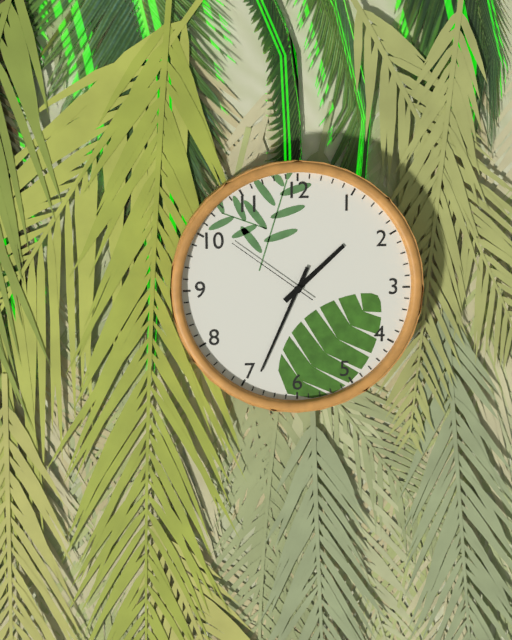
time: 1:34:51
